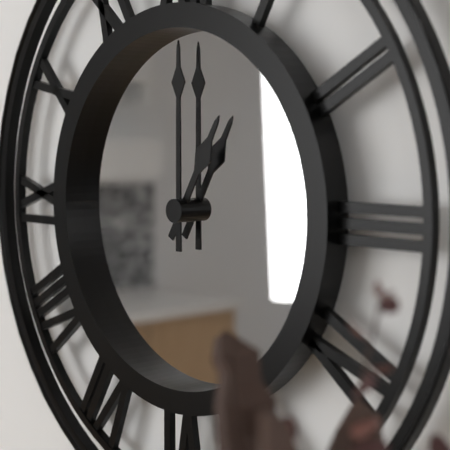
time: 1:00
